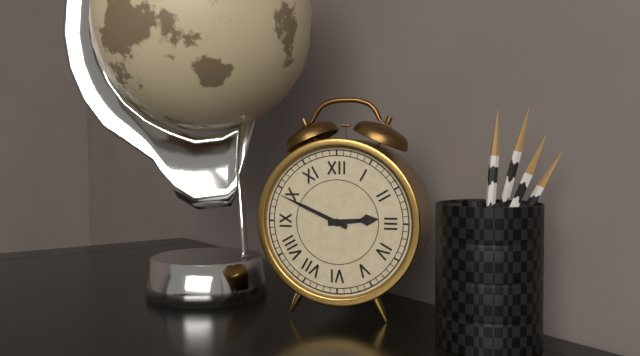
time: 2:49
